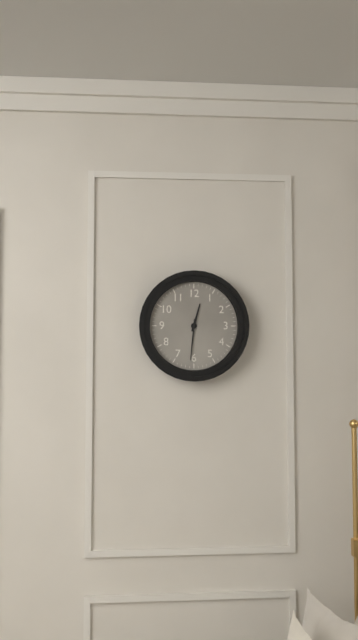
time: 12:31
